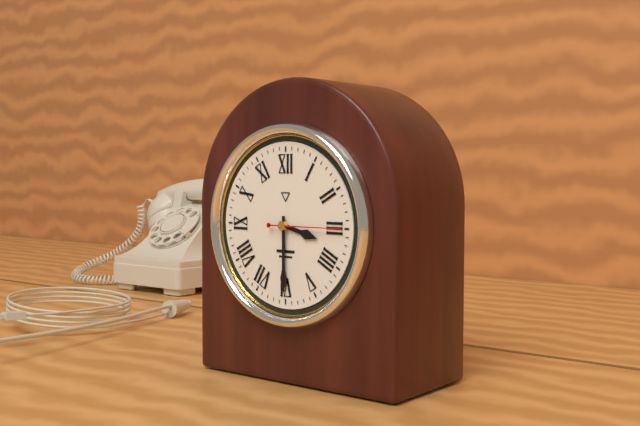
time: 3:30:15
